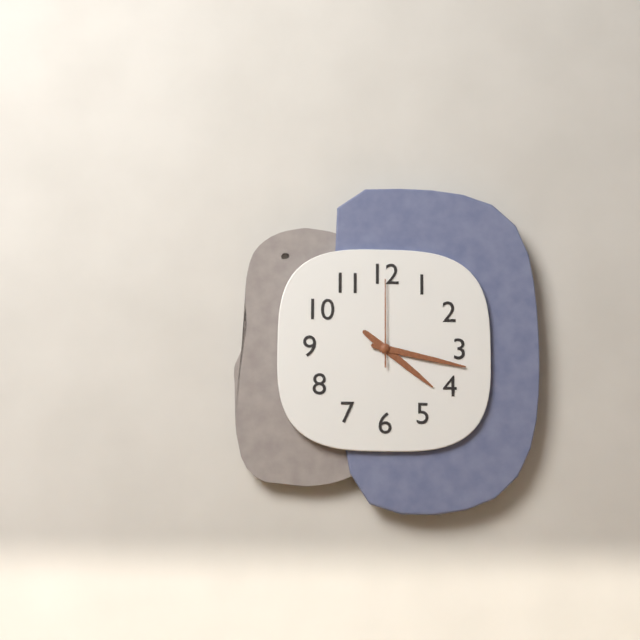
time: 4:17:00
